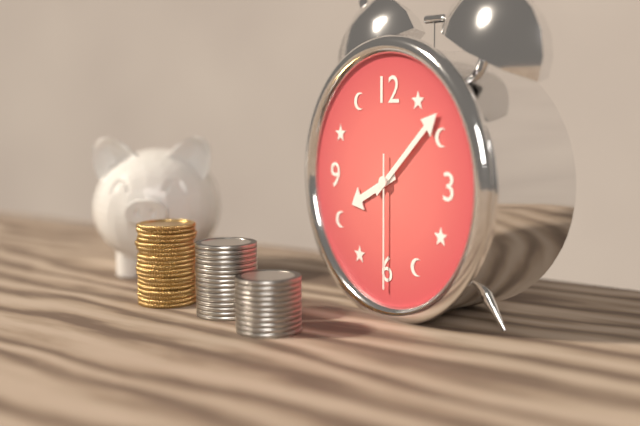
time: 8:08:30
